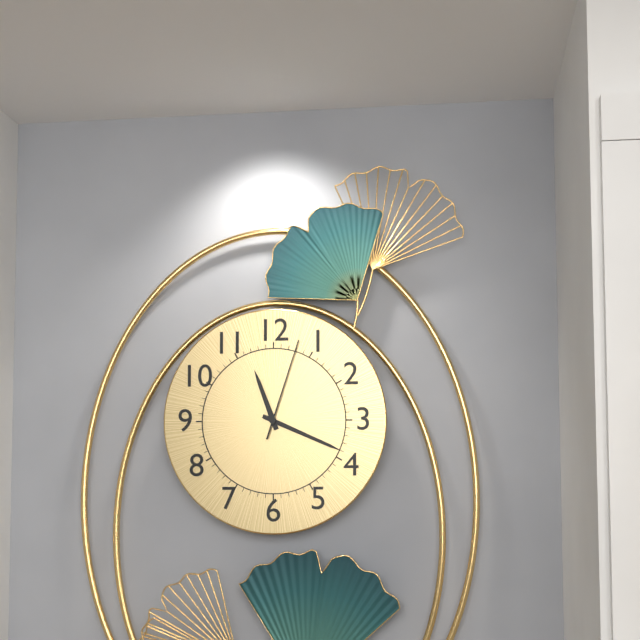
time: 11:19:03
